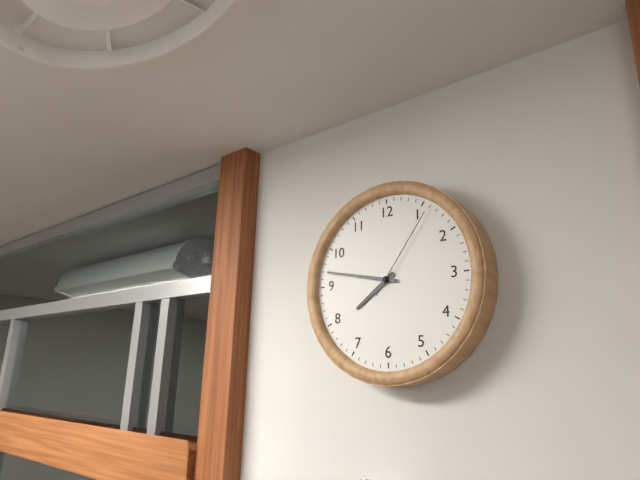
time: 7:47:06
